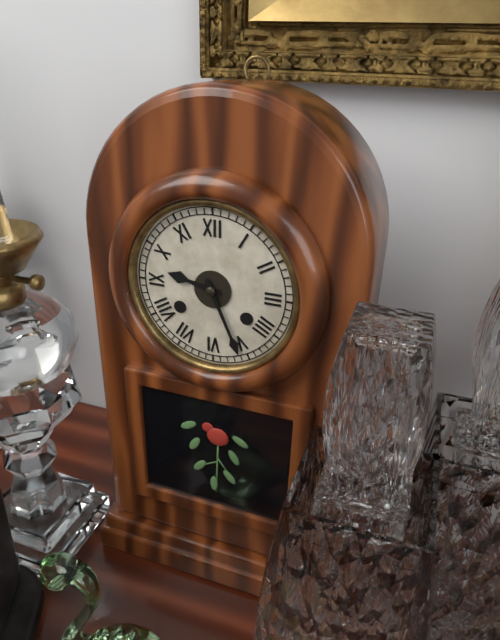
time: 9:26
